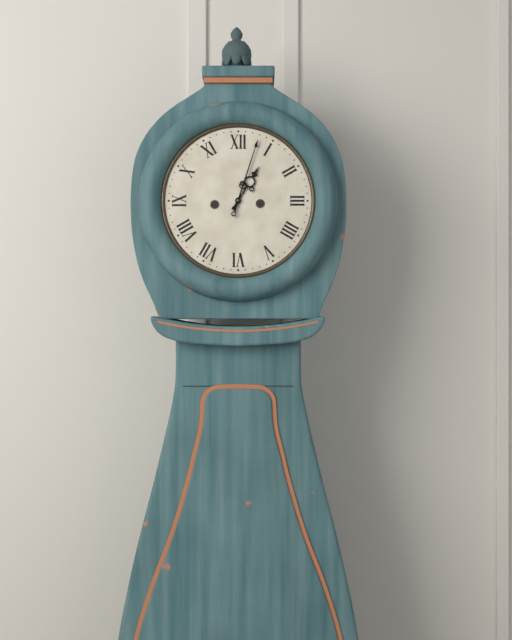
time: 1:03
